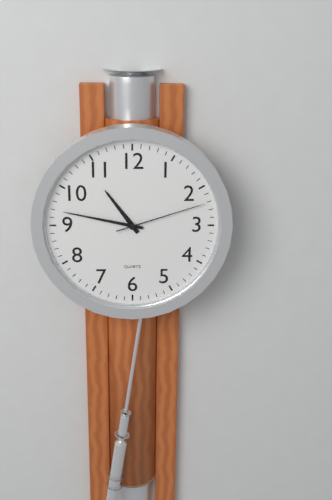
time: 10:47:12
